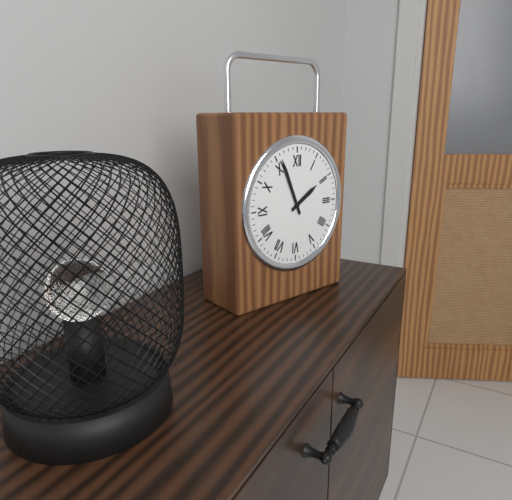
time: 1:56
